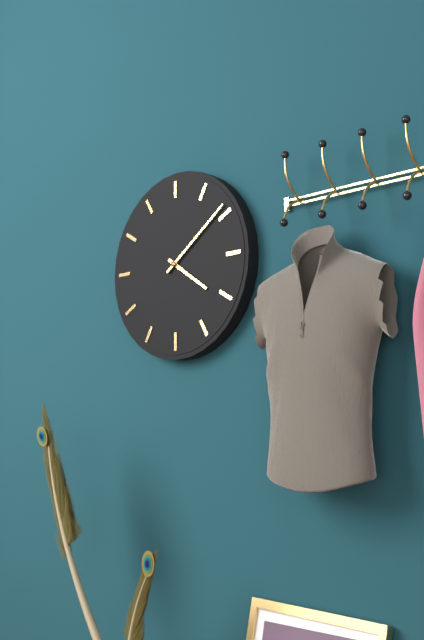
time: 4:09
